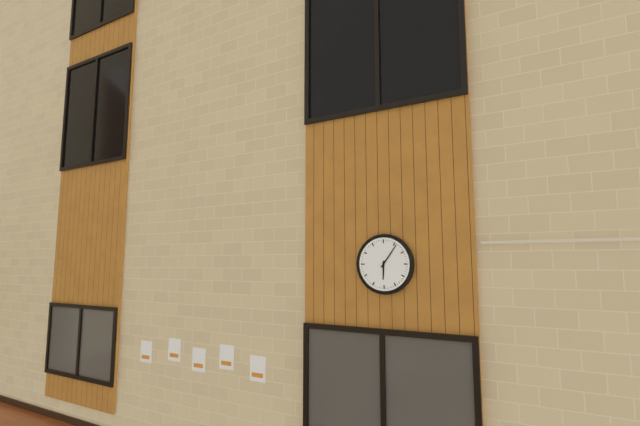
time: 6:06
